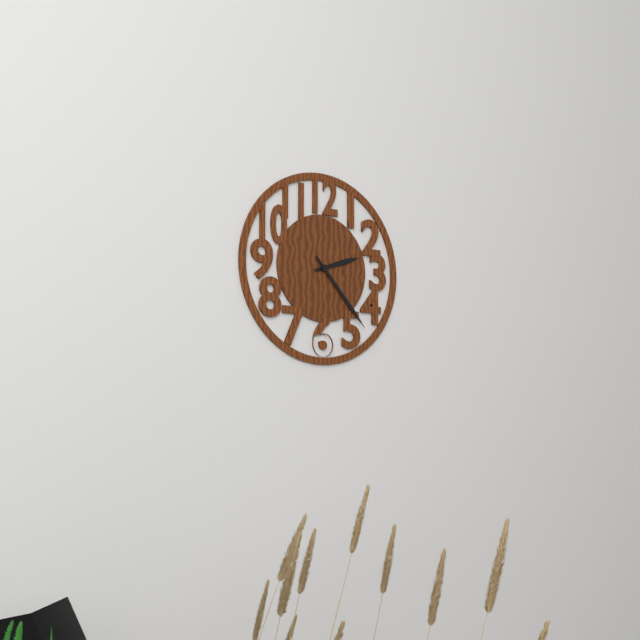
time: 2:23
